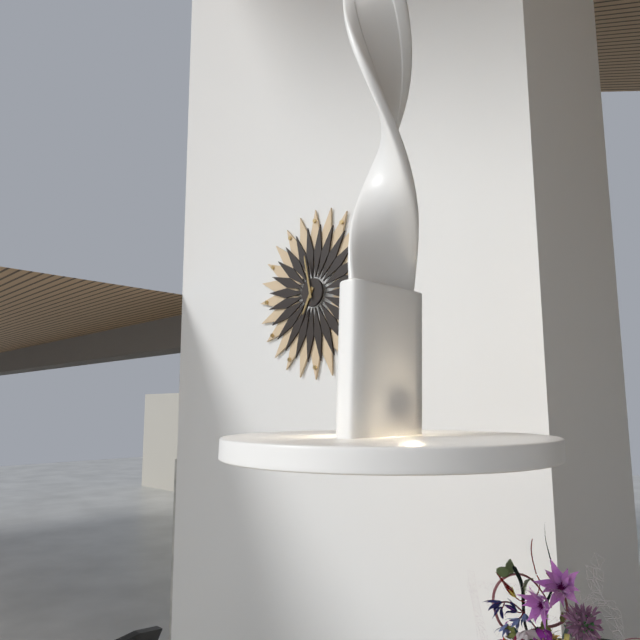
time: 6:58
